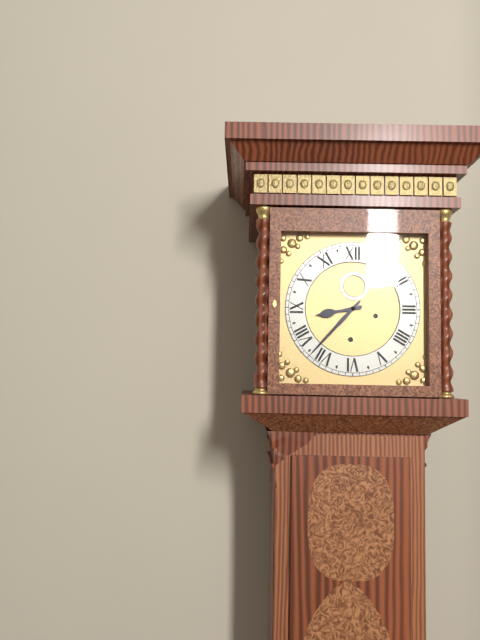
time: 8:37
